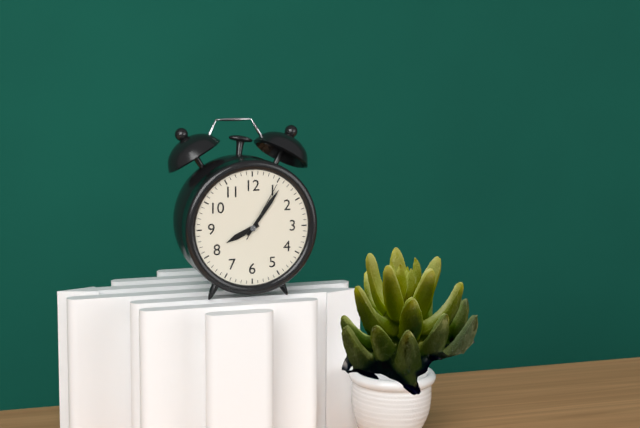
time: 8:06:05
